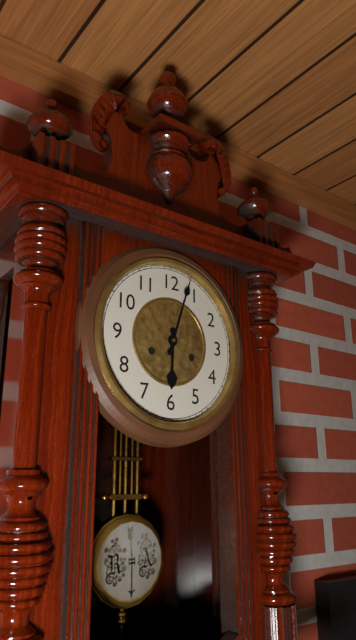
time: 6:03
